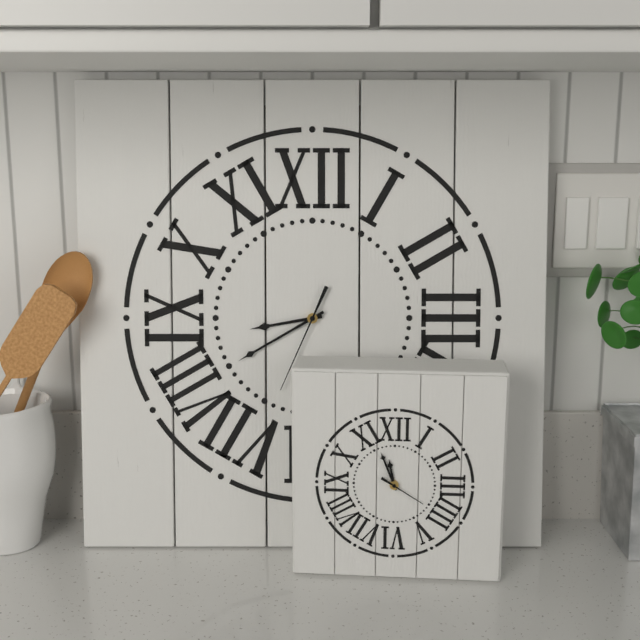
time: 8:40:34
